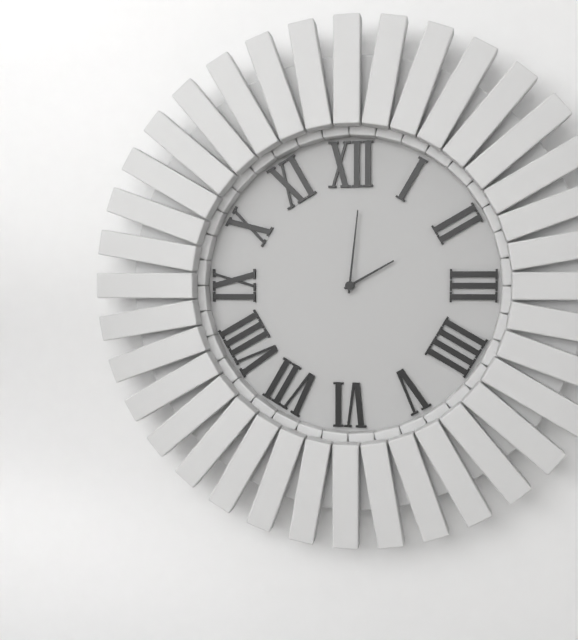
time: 2:01
